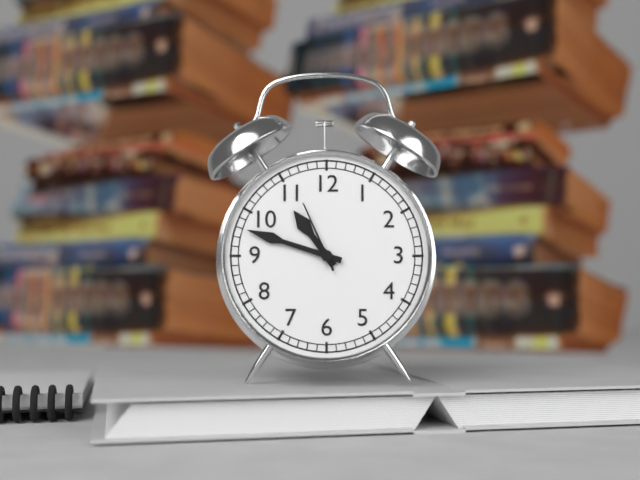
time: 10:48:56
